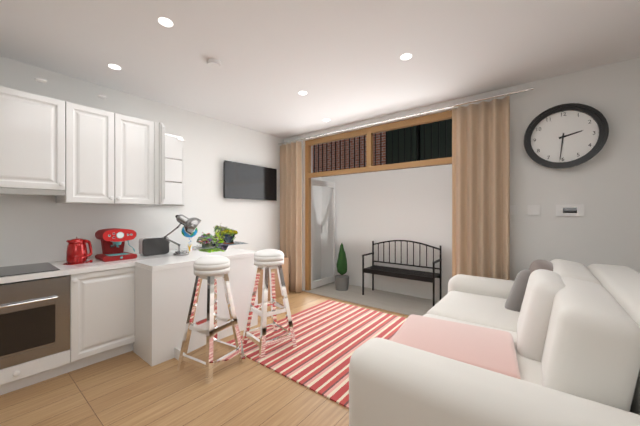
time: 2:31
